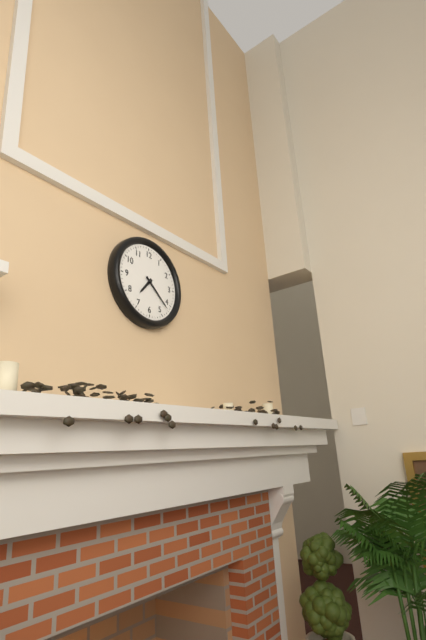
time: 7:22
